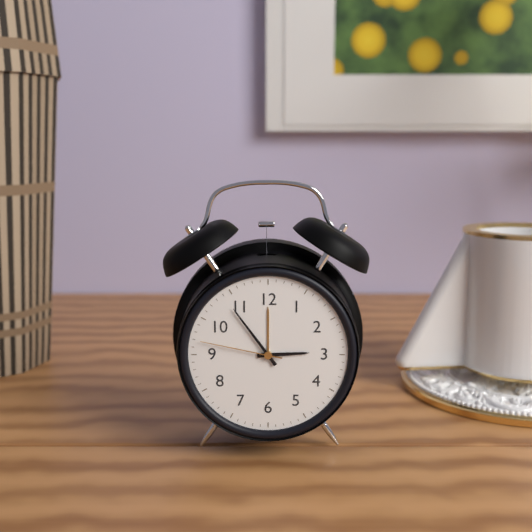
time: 2:54:47
